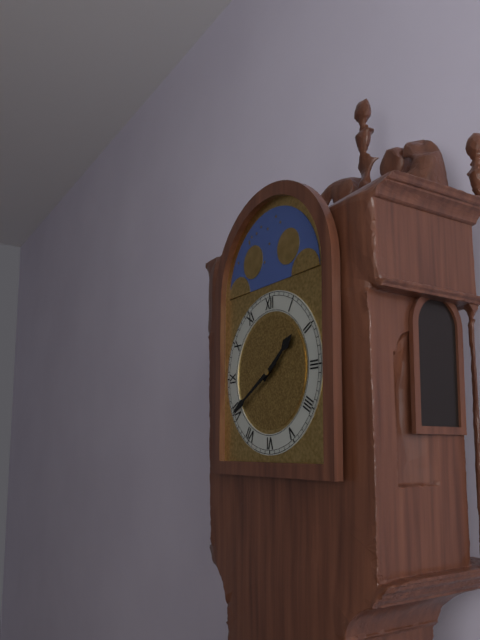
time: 1:40
